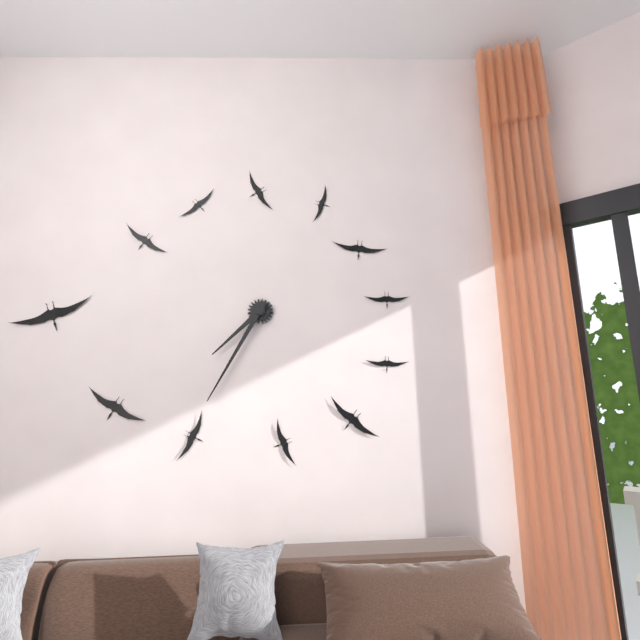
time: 7:35
